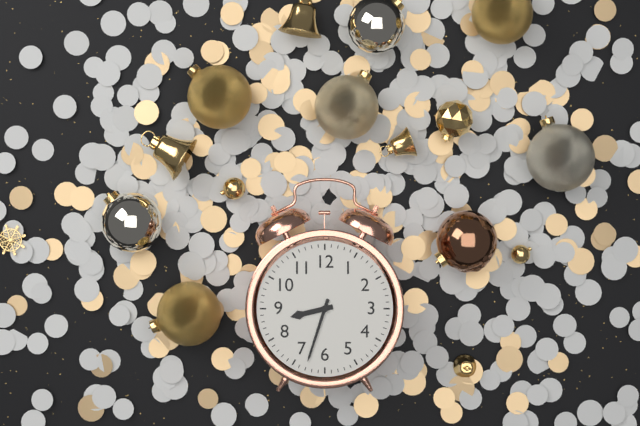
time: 8:33
